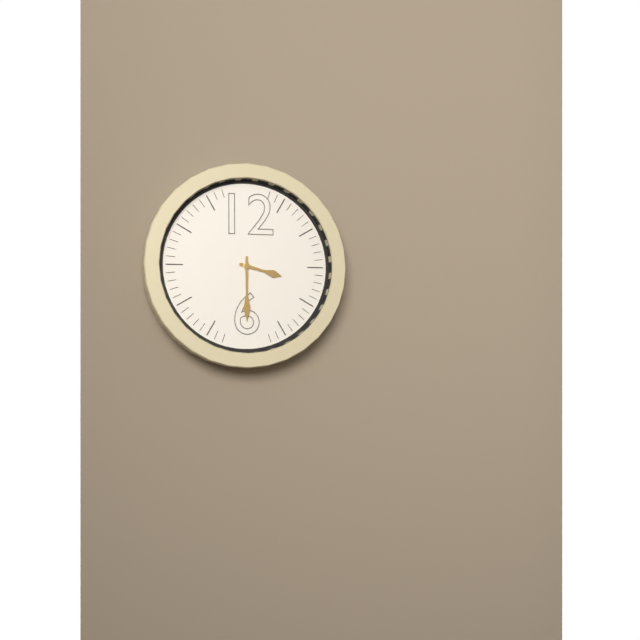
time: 3:30
